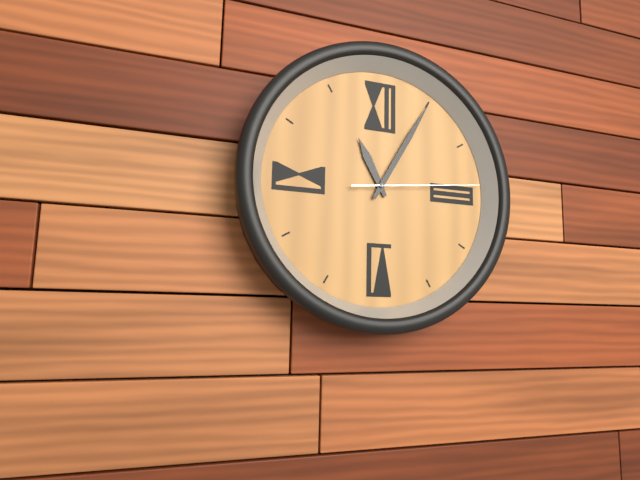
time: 11:05:14
